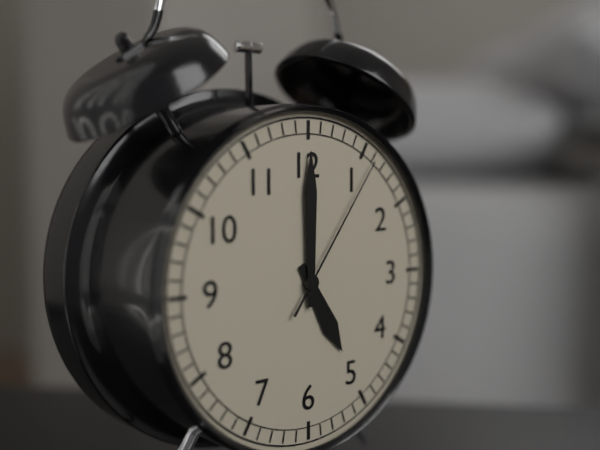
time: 5:00:06
